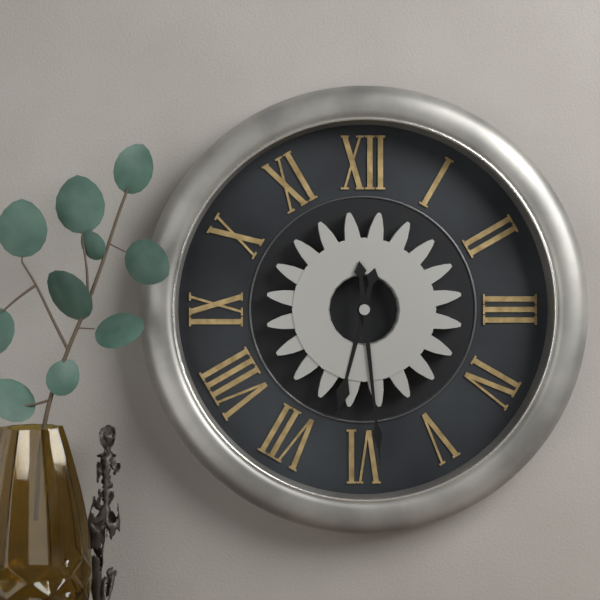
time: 6:29
